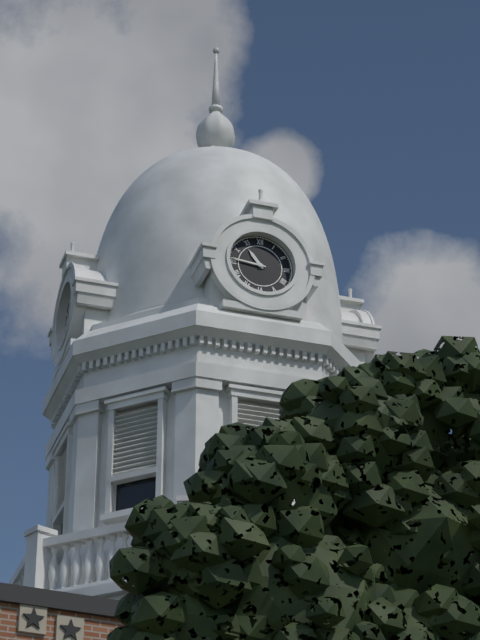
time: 10:46
